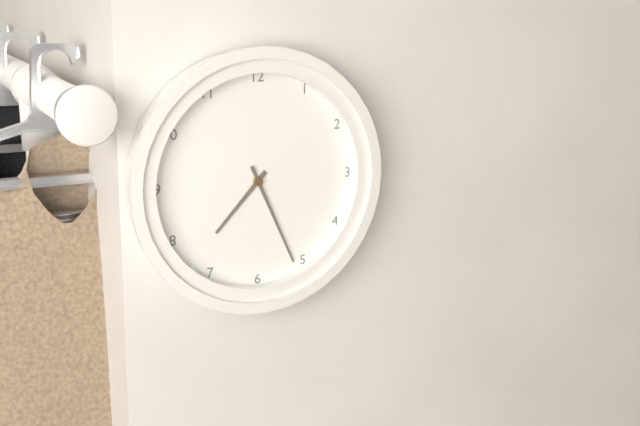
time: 7:26
